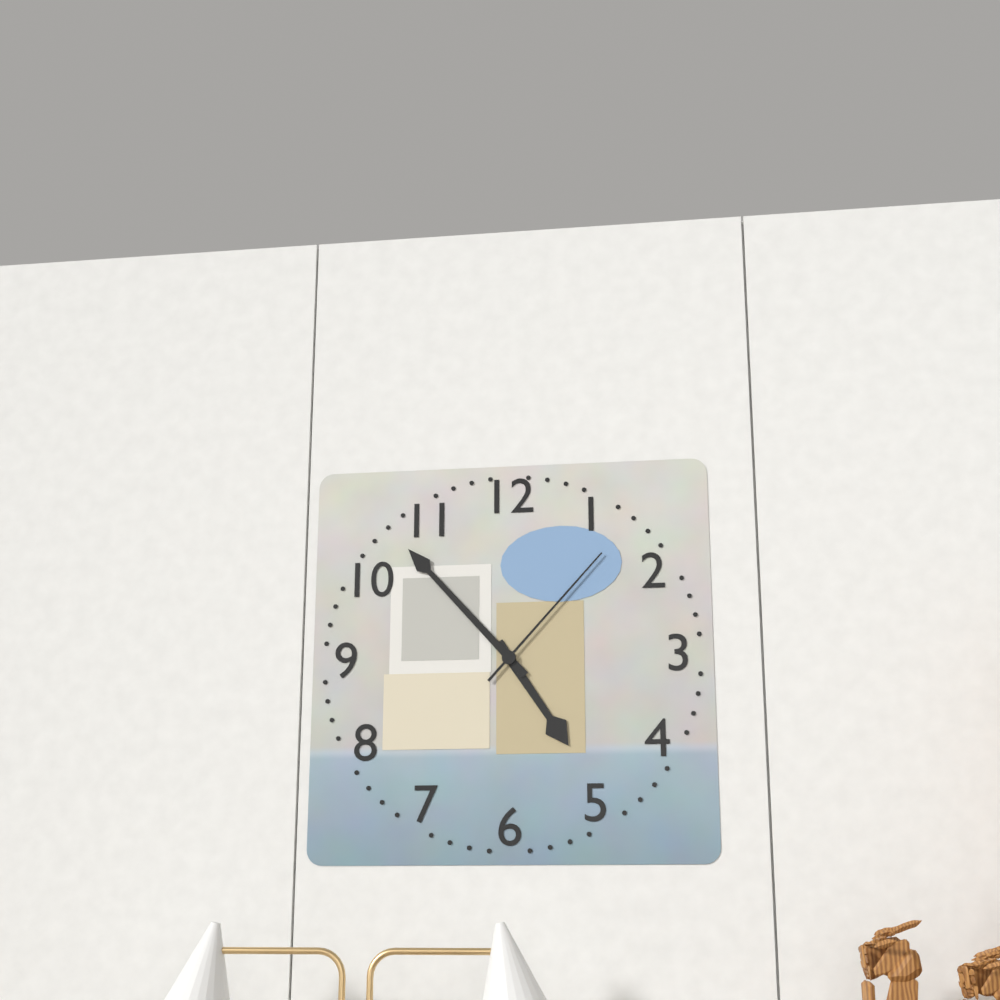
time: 4:53:07
